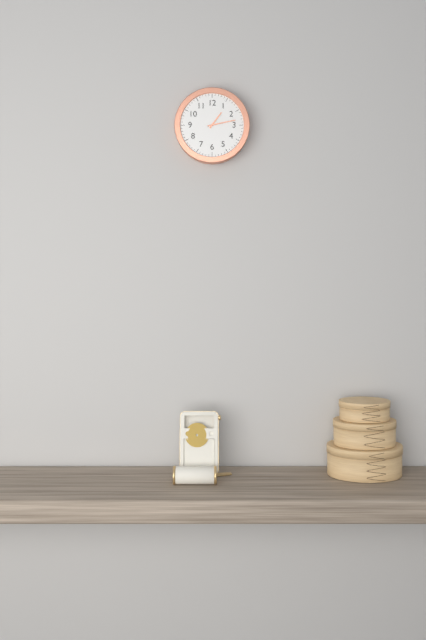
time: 1:13
